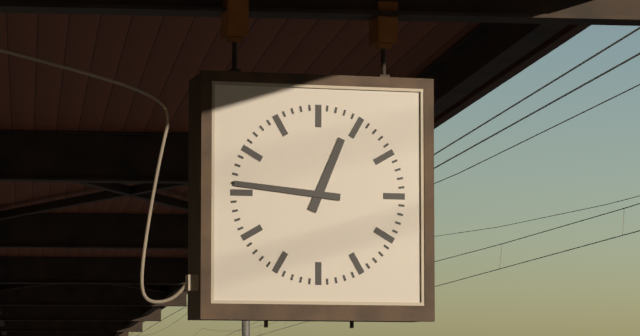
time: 12:46
